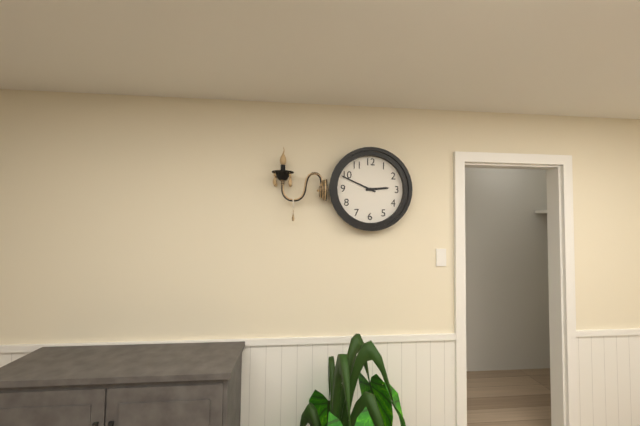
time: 2:49
